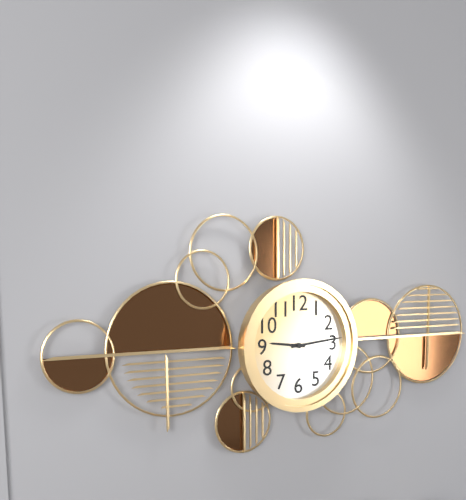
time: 9:14
